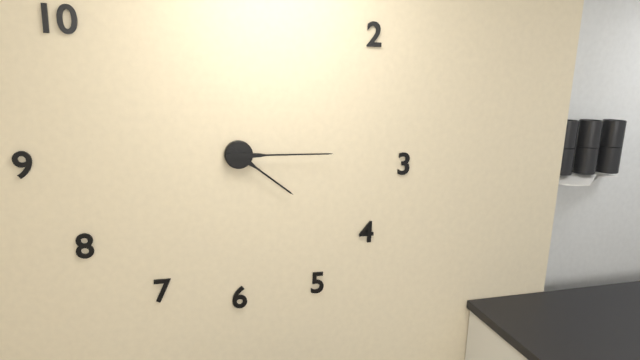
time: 4:15
